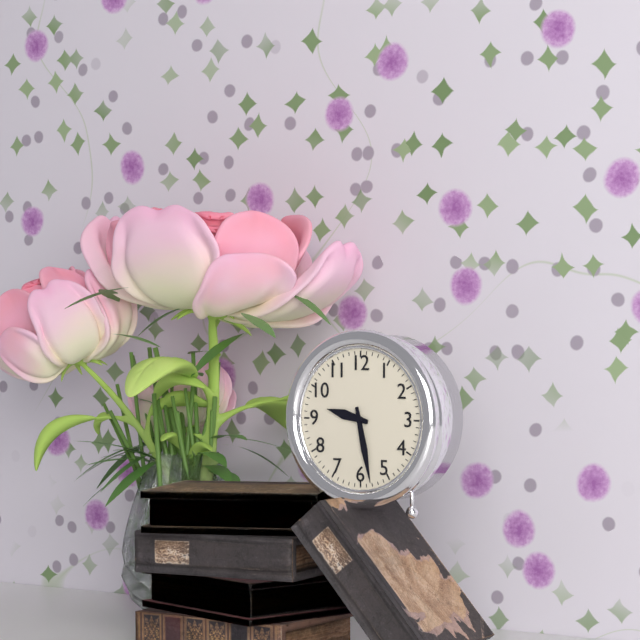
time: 9:28
